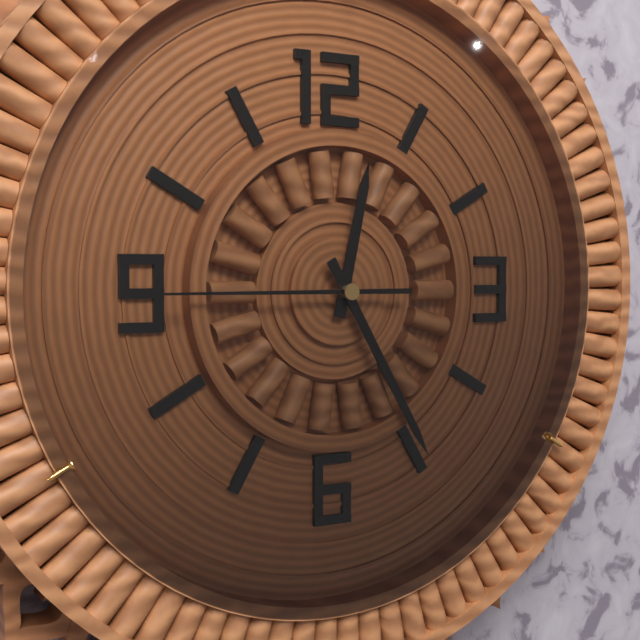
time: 12:25:45
